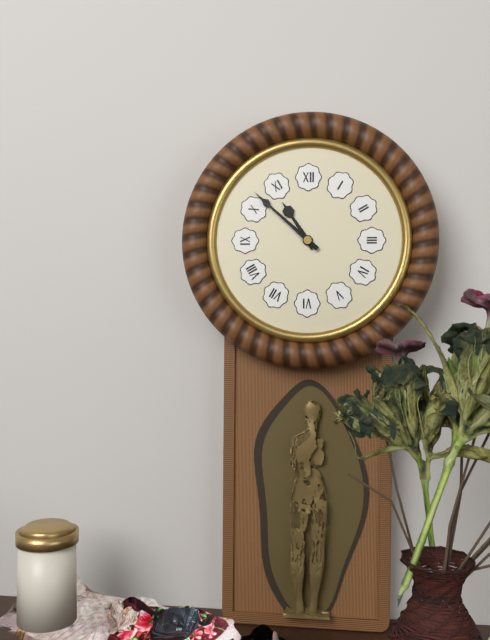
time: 10:52
